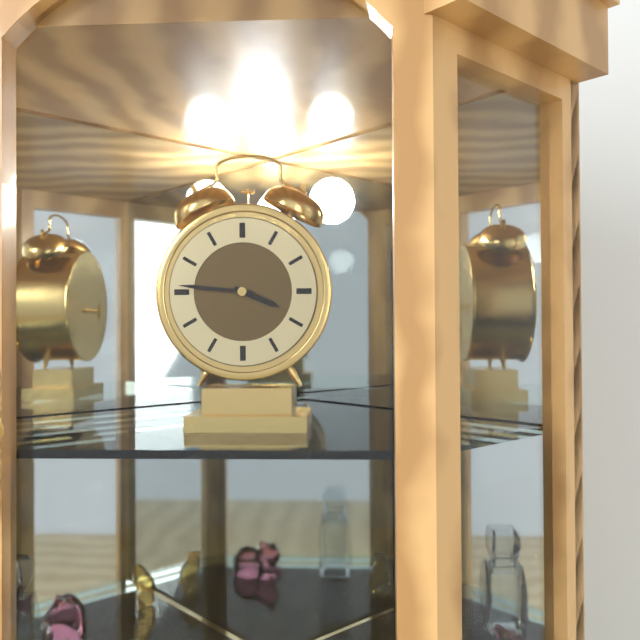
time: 3:46
